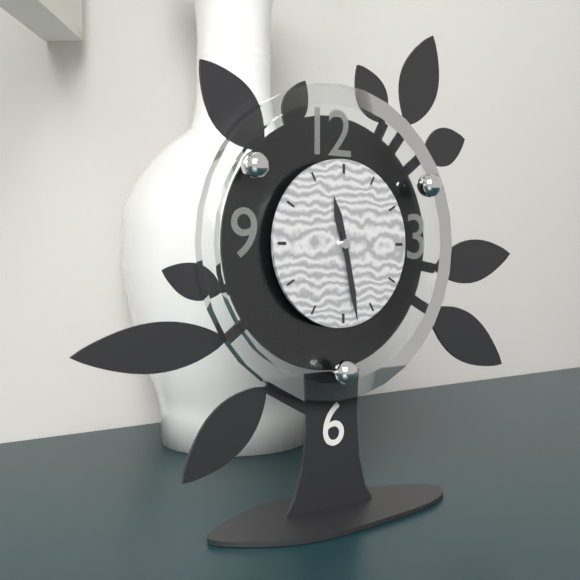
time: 11:28
